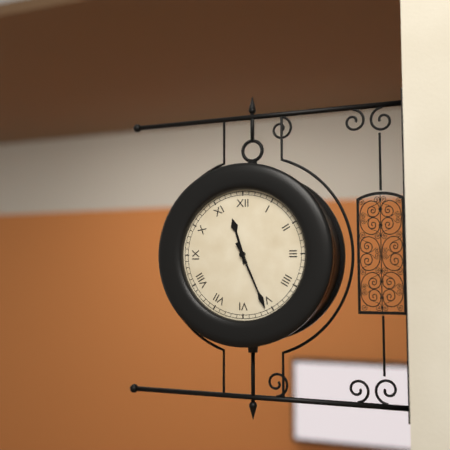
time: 11:26
